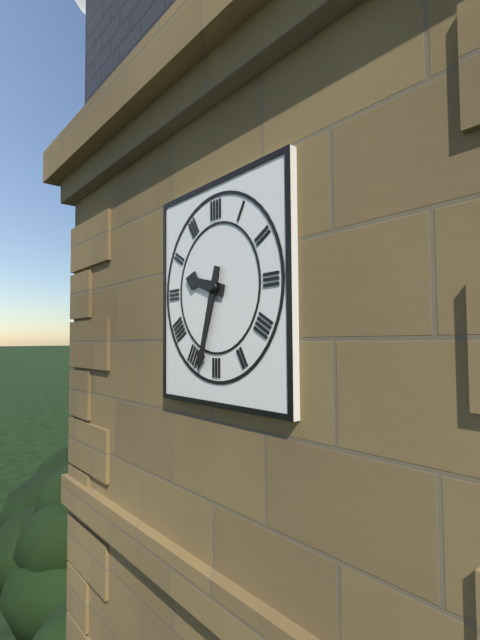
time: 9:33
